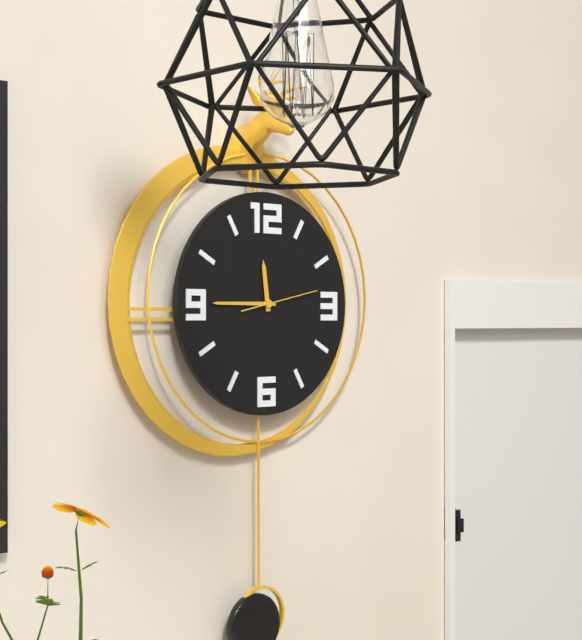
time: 11:45:13
